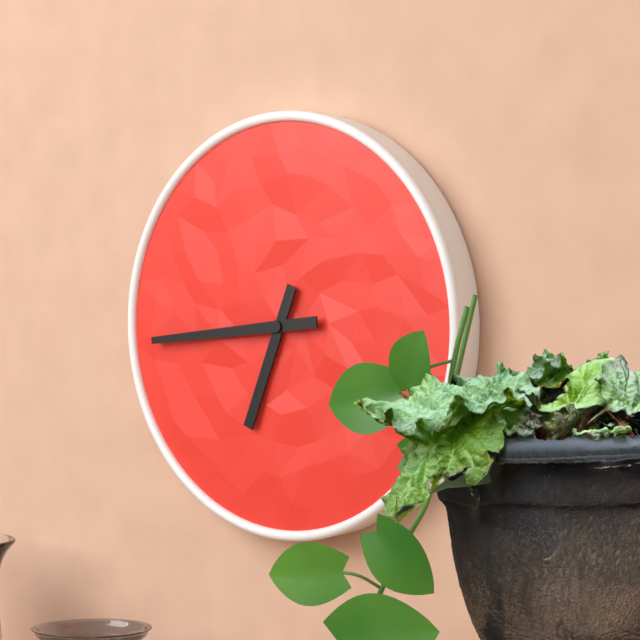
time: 6:44
